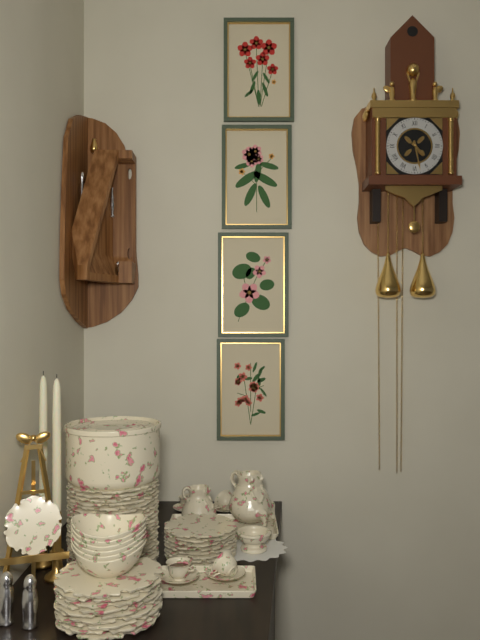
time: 4:28
